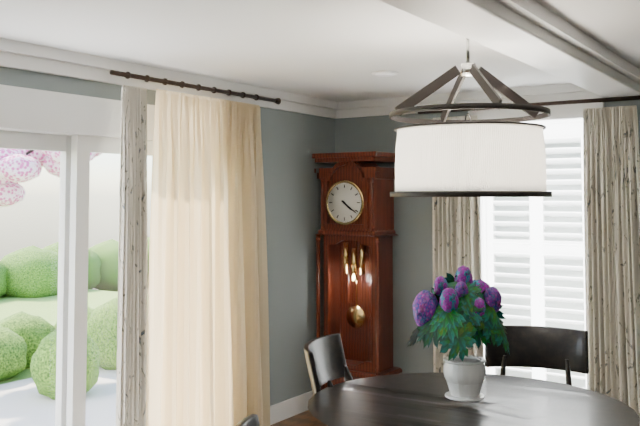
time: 4:21
